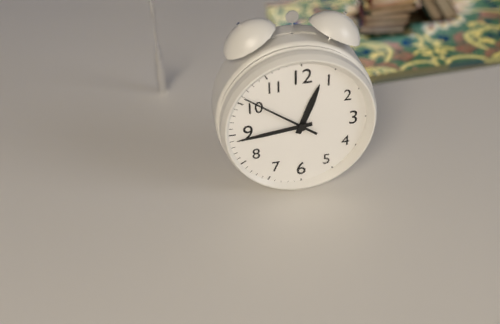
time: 12:44:51
